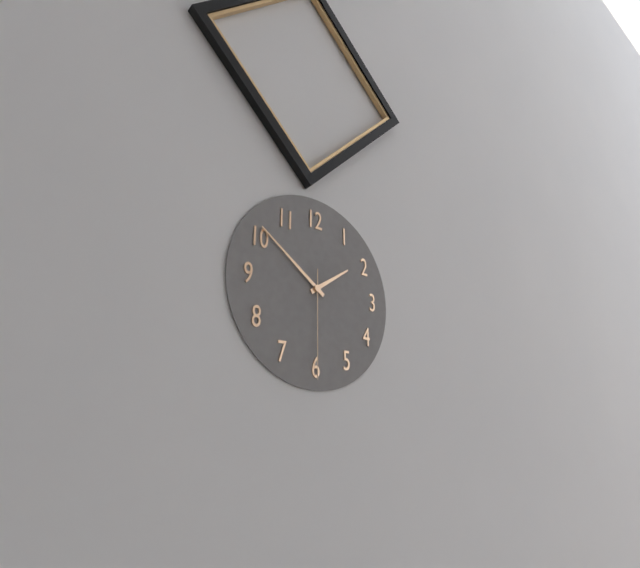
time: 1:51:30
